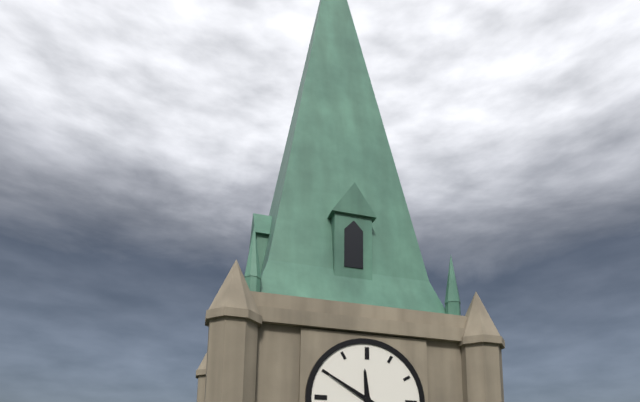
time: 11:50
